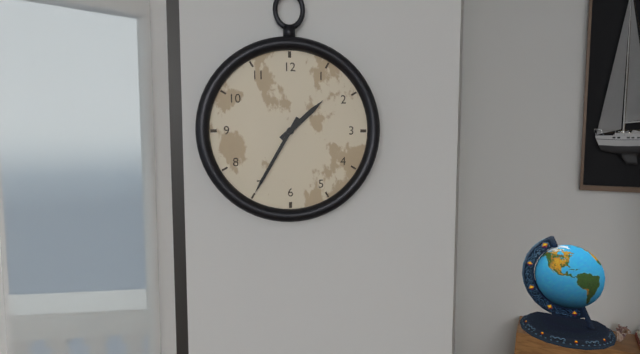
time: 1:35
